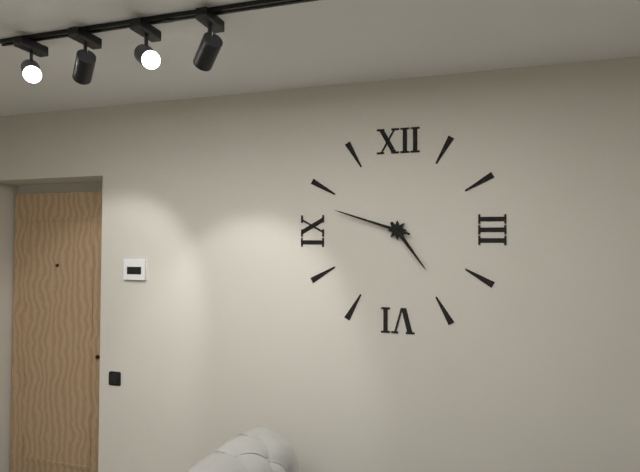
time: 4:48
